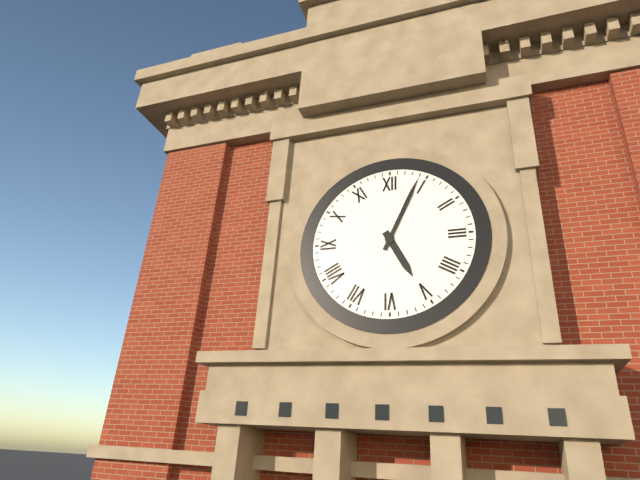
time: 5:04
